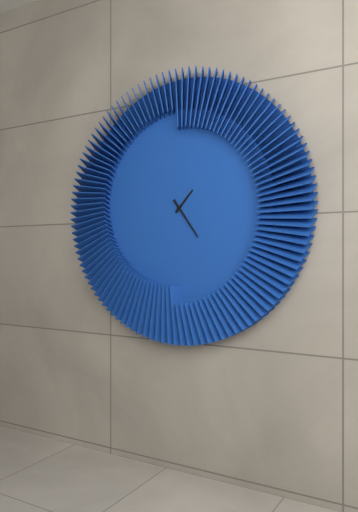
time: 1:24
